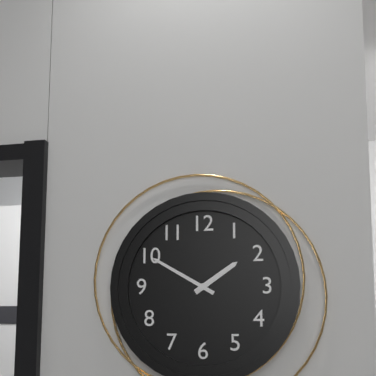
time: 1:50
